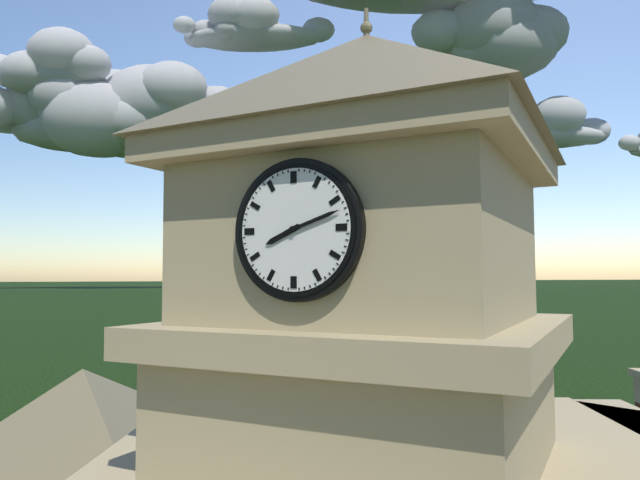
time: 8:12
